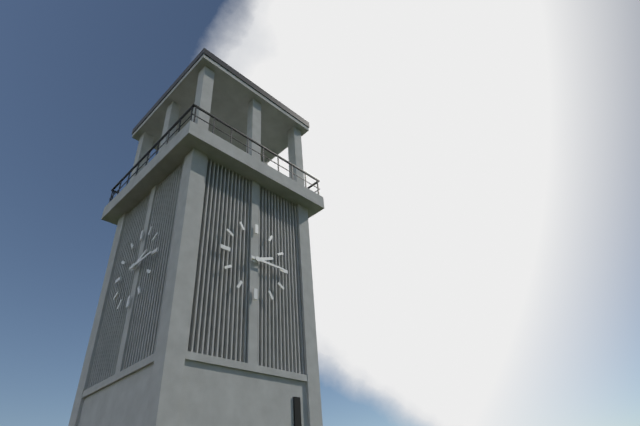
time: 2:15
